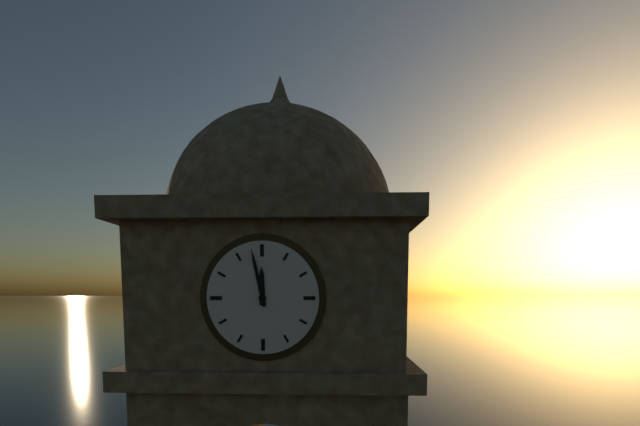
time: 11:58
